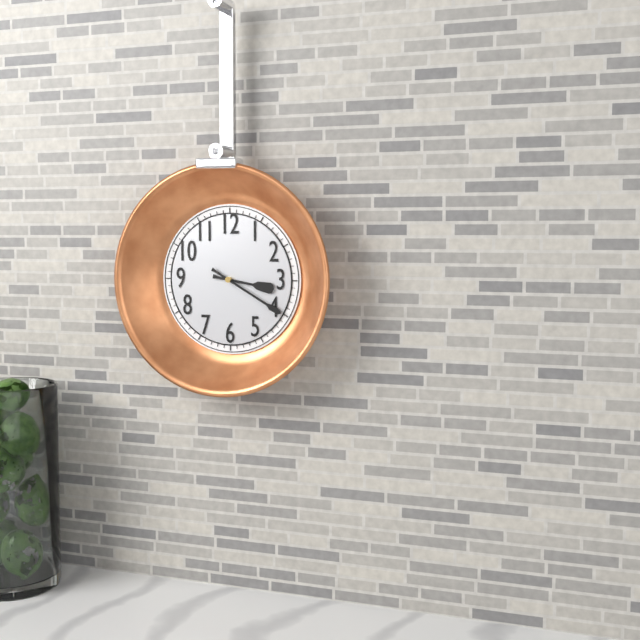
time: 3:20
